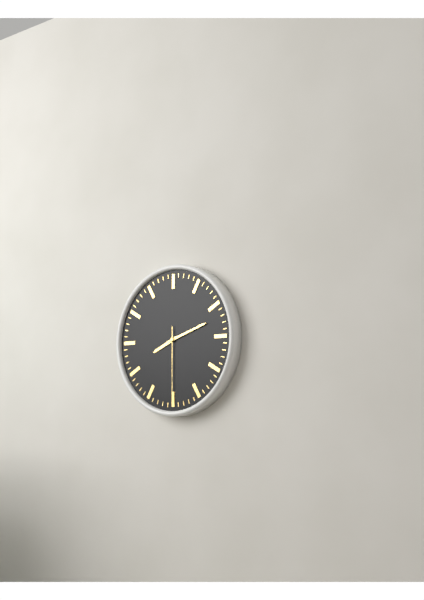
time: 8:12:30
